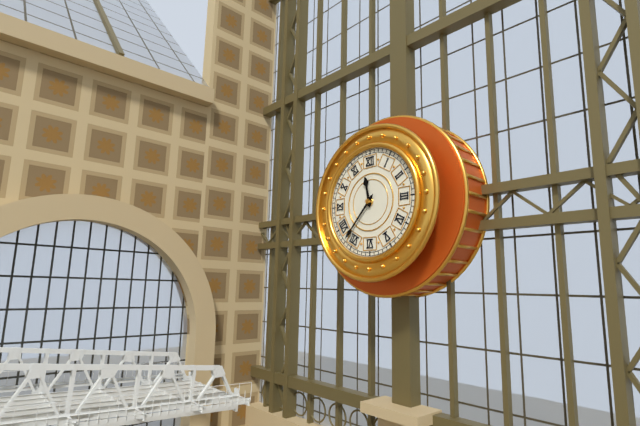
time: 11:37
